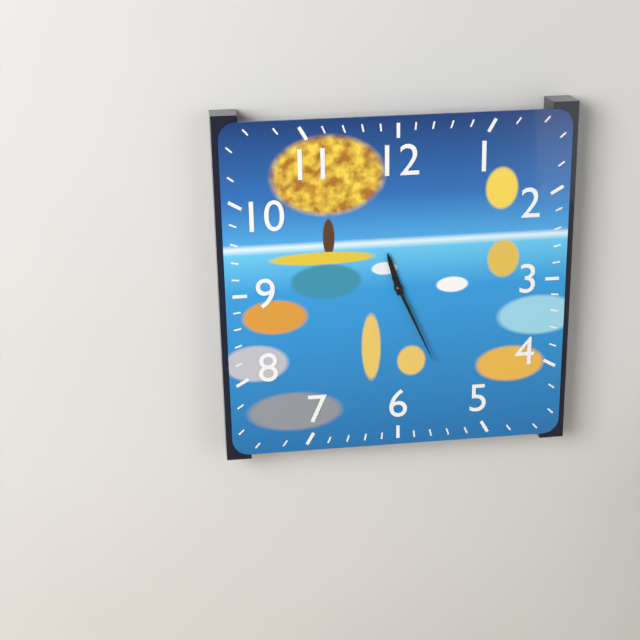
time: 11:26
